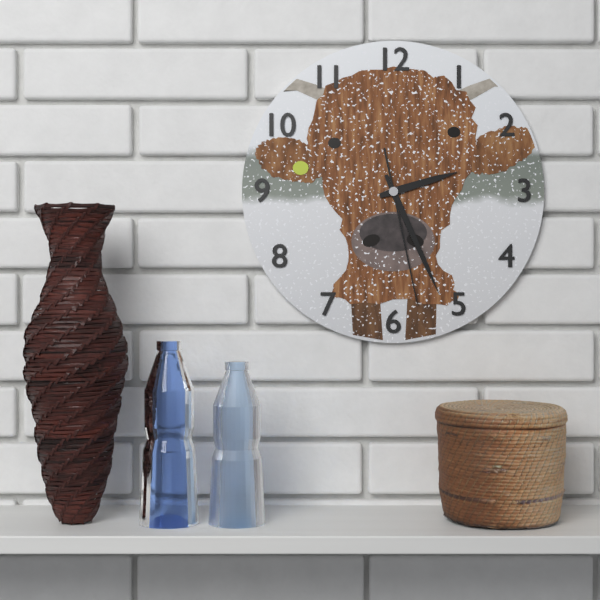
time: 2:26:28
